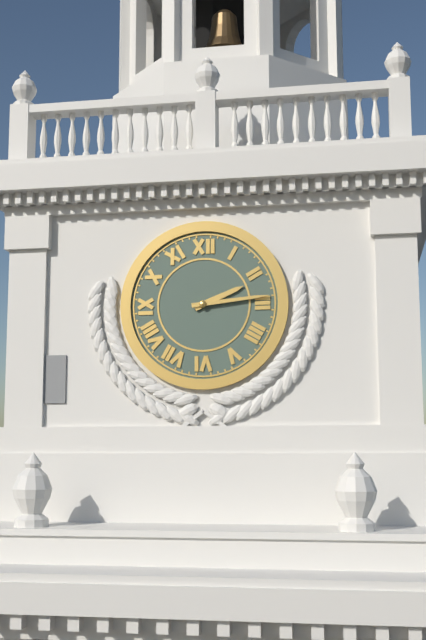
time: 2:14
